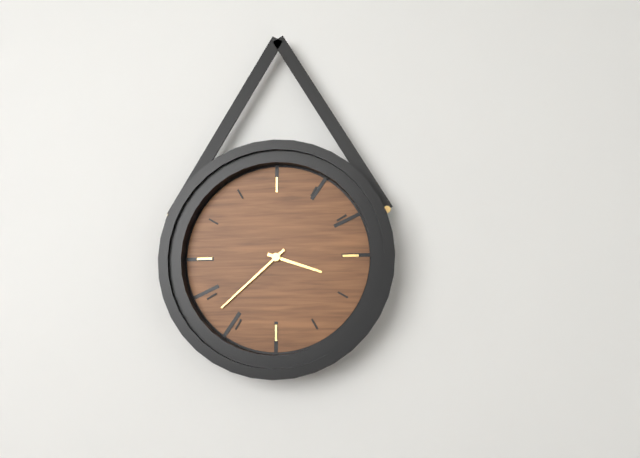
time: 3:38
